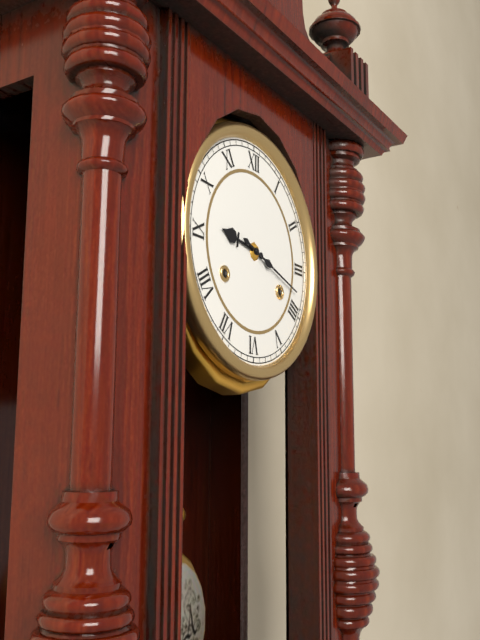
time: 9:18
